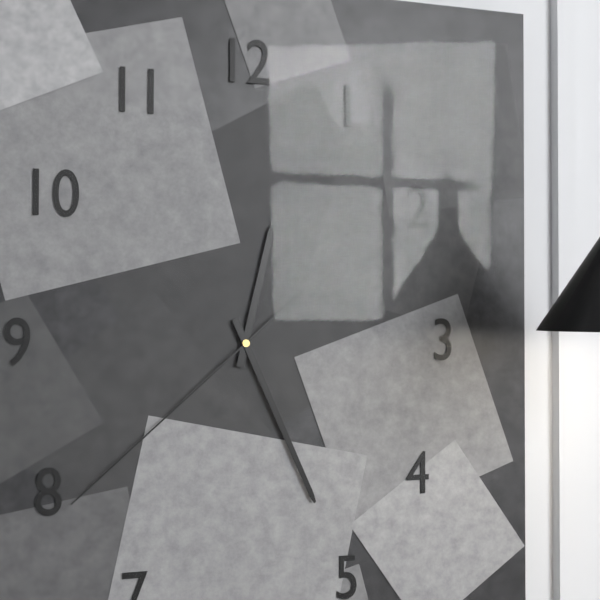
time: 12:26:38
